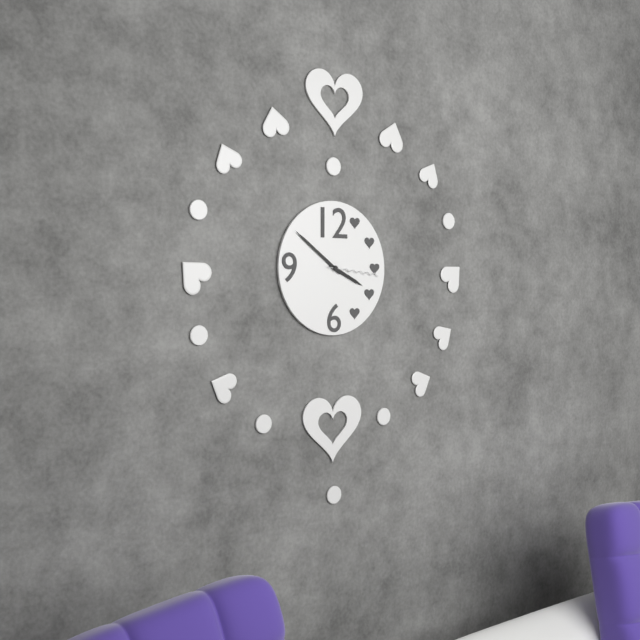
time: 3:51:16
